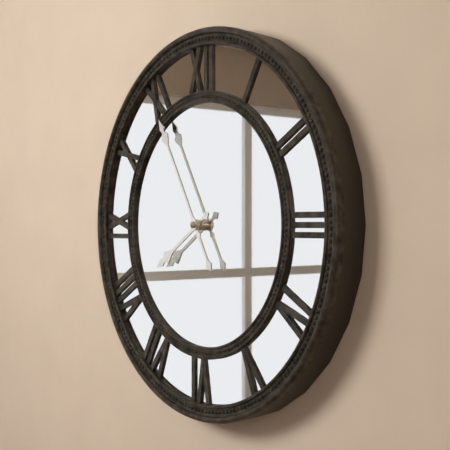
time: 7:55
